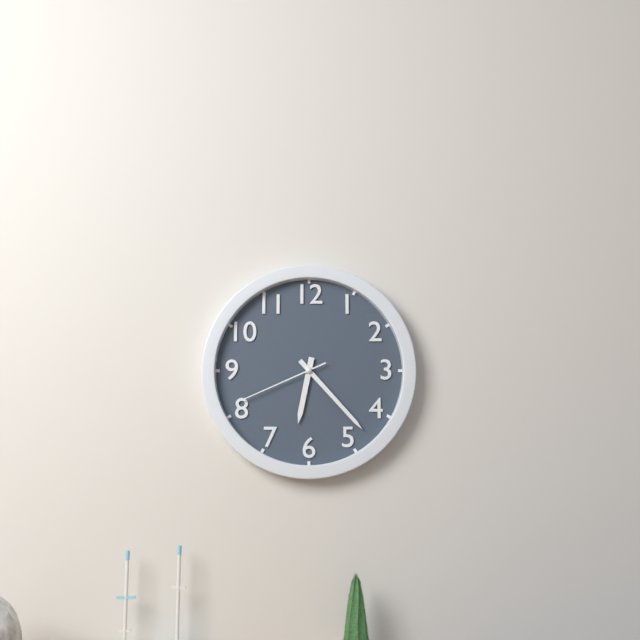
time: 6:23:41
